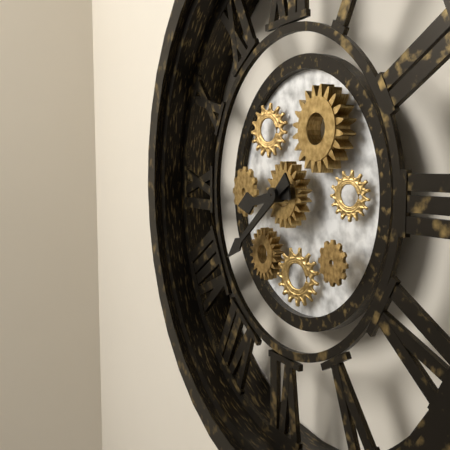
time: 8:39
